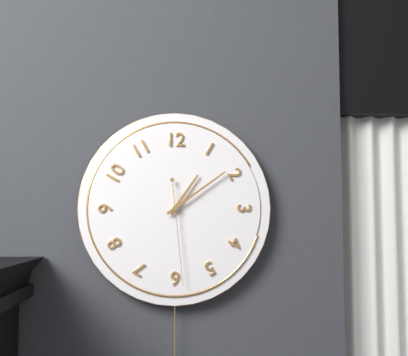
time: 1:09:29
